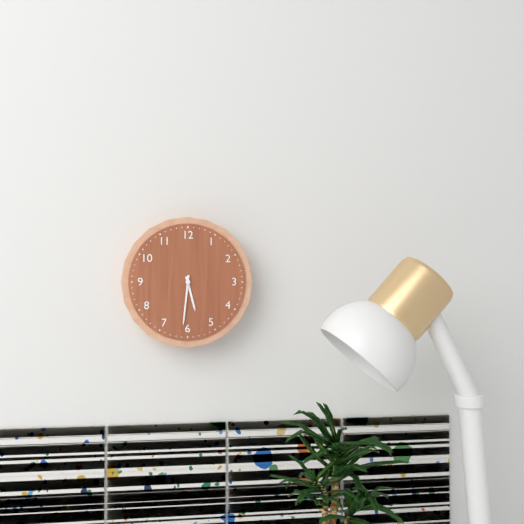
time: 5:31
